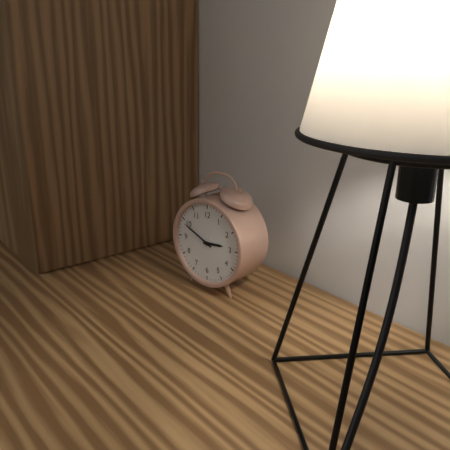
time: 2:49
